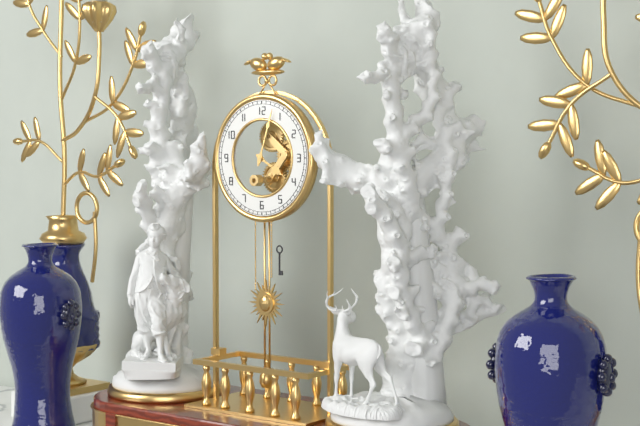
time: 4:03
